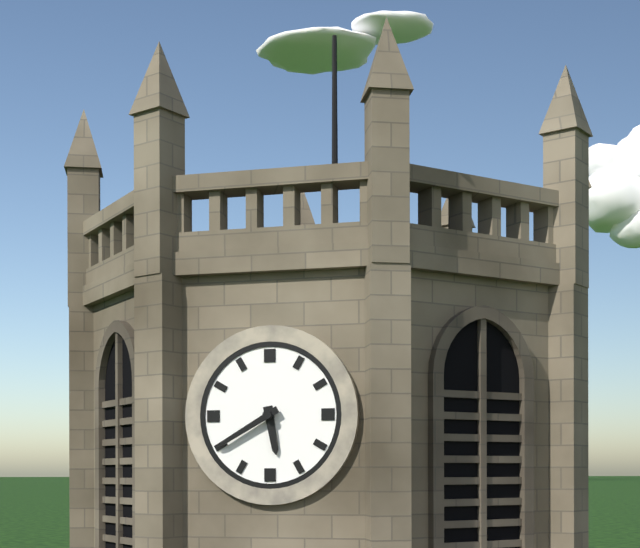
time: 5:40
